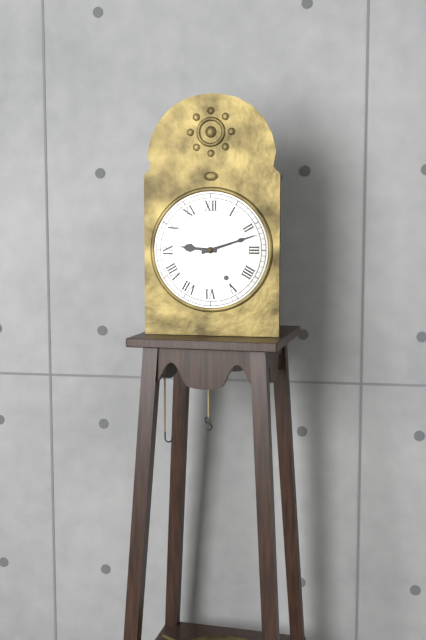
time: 9:12
